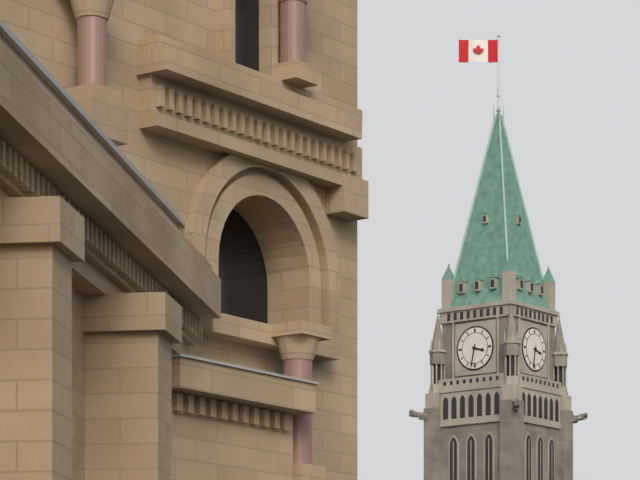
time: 3:32
